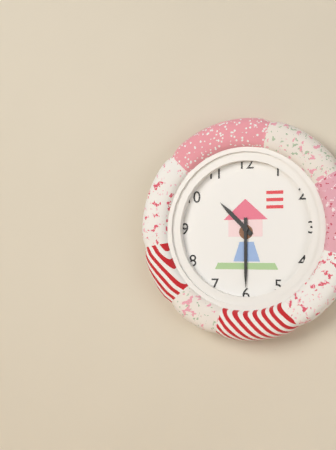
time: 10:30
